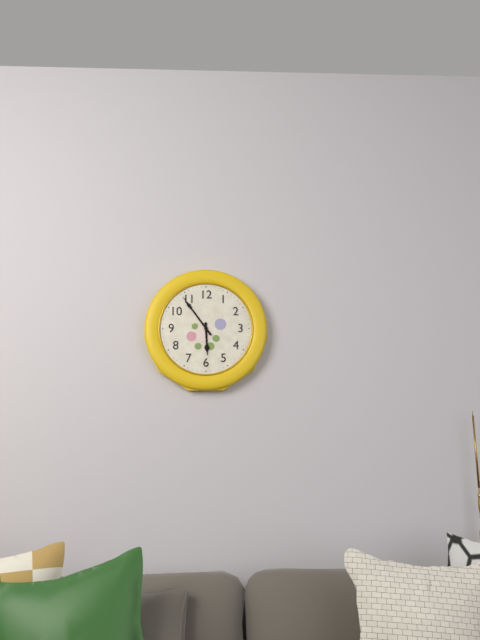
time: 5:54
